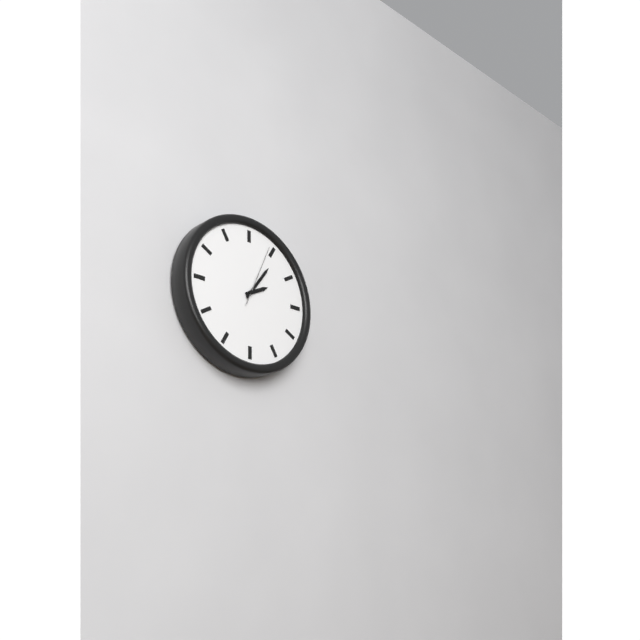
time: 2:06:04
